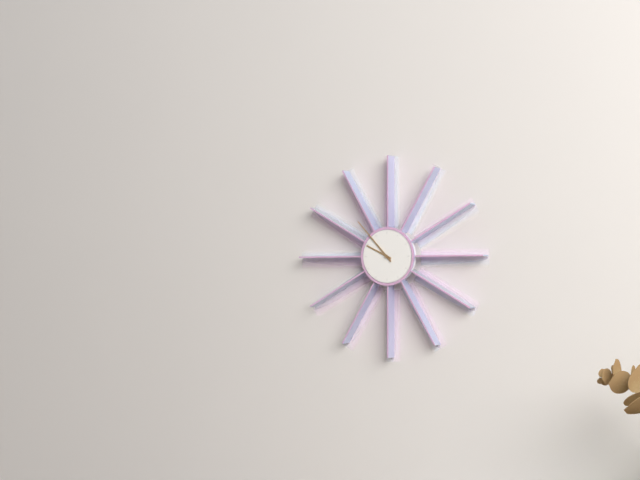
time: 9:53
